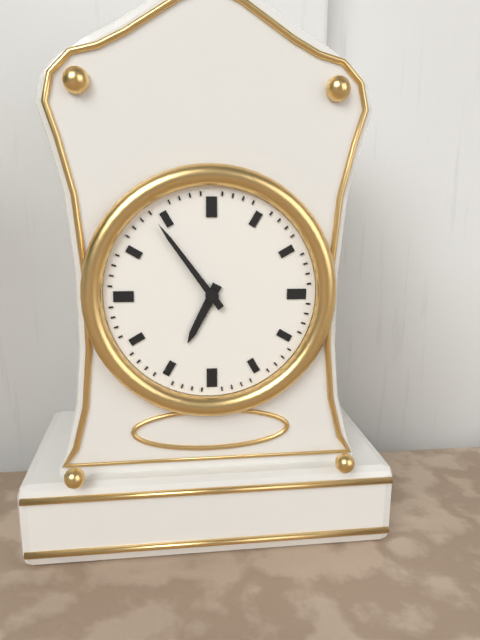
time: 6:54
